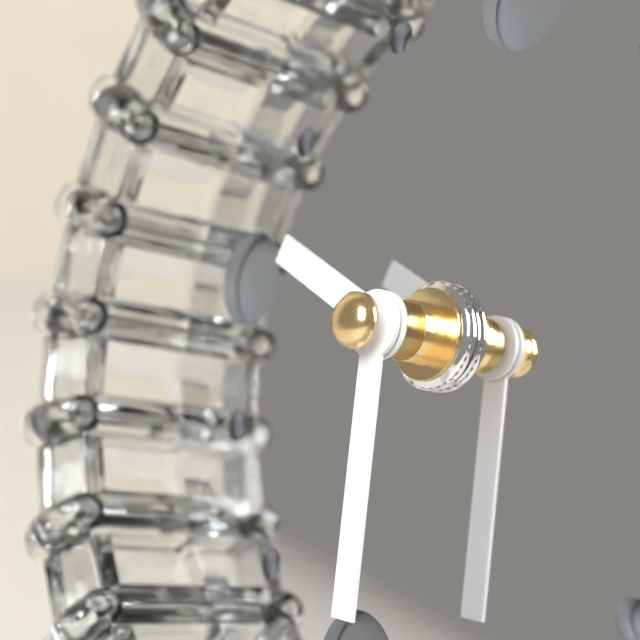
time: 9:28
